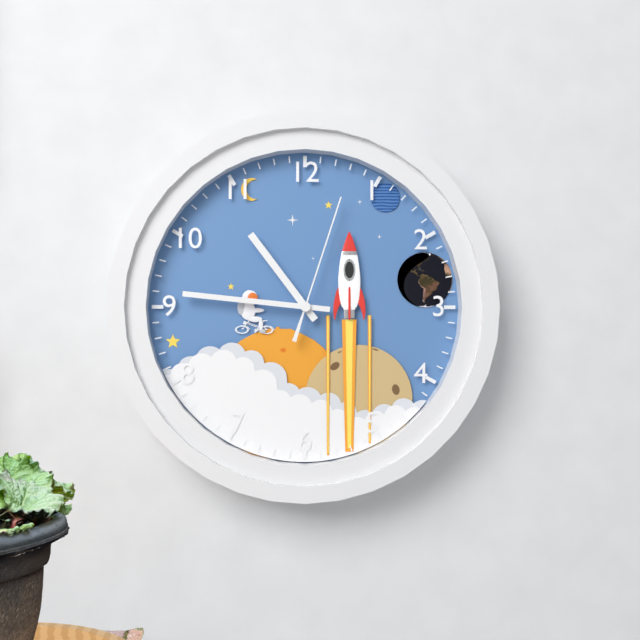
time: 10:46:03
